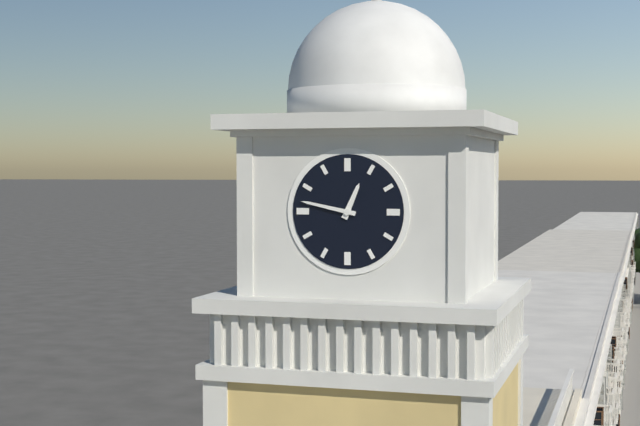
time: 12:47
